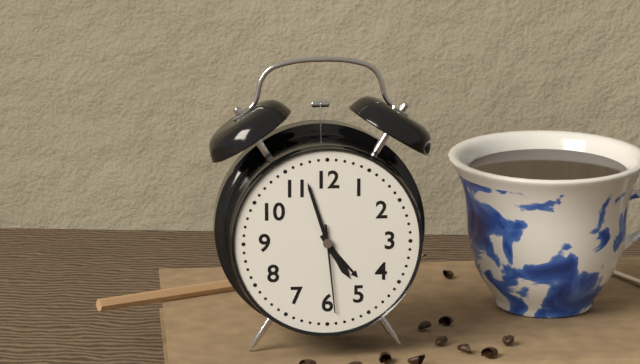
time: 4:57:29
